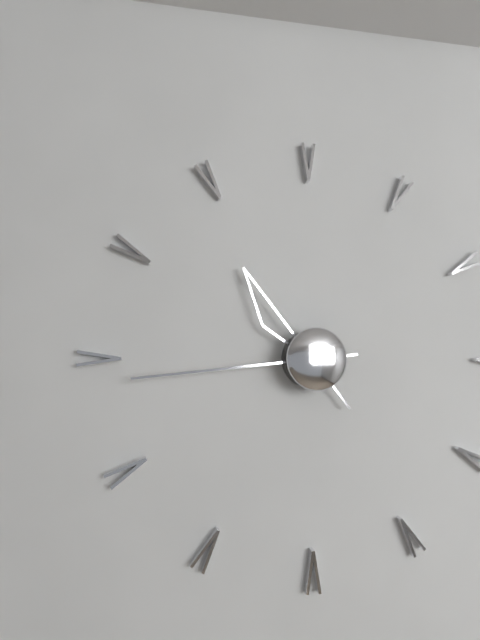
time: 10:44
